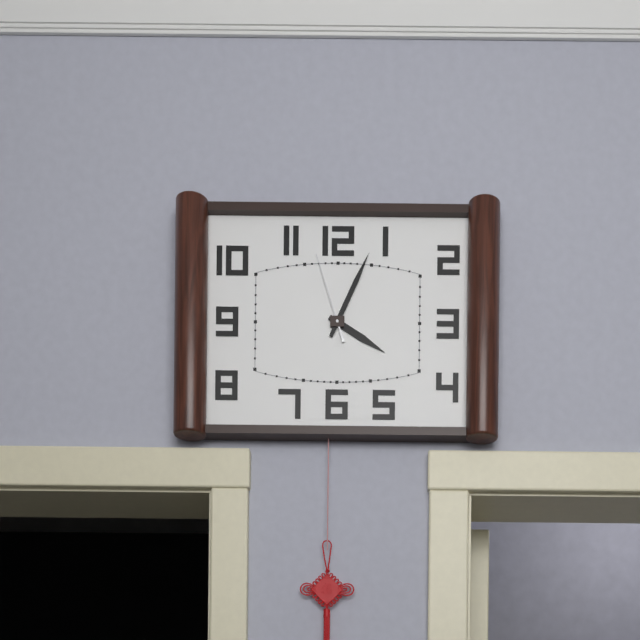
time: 4:04:57
